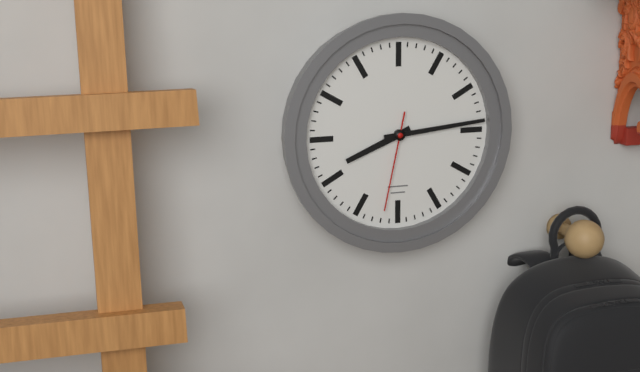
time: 8:14:32
